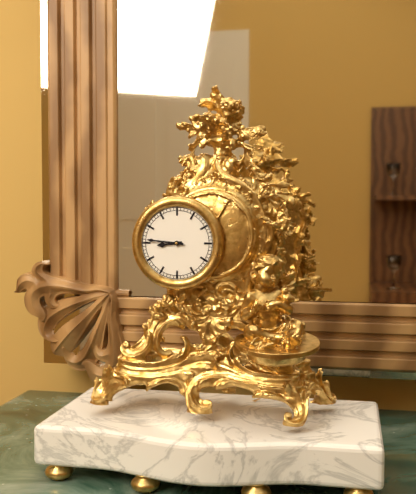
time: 8:46
